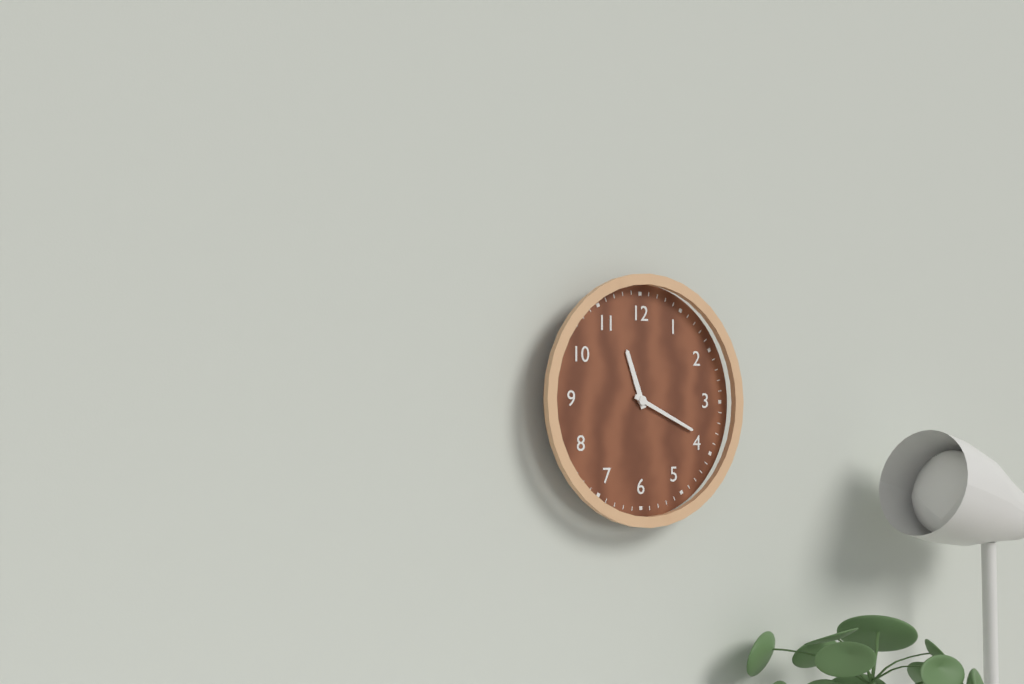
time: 11:19
